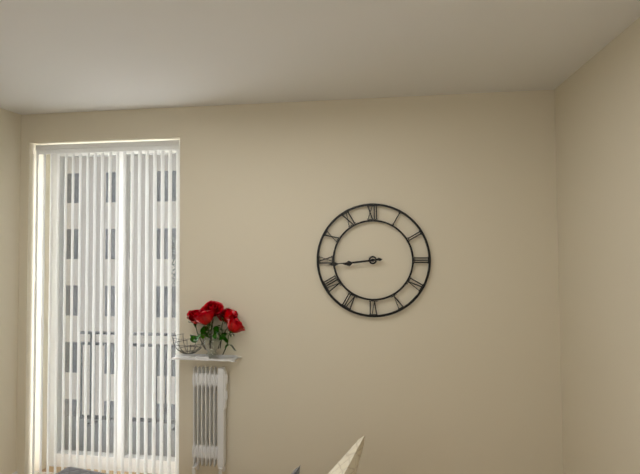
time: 8:44
